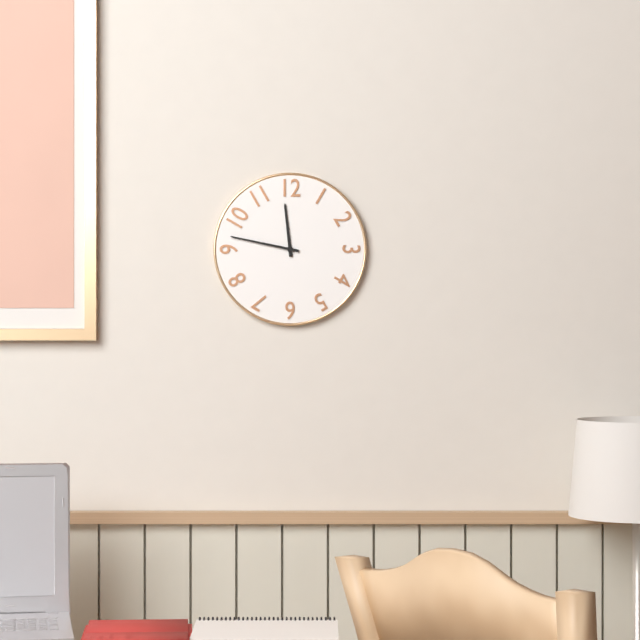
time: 11:47
